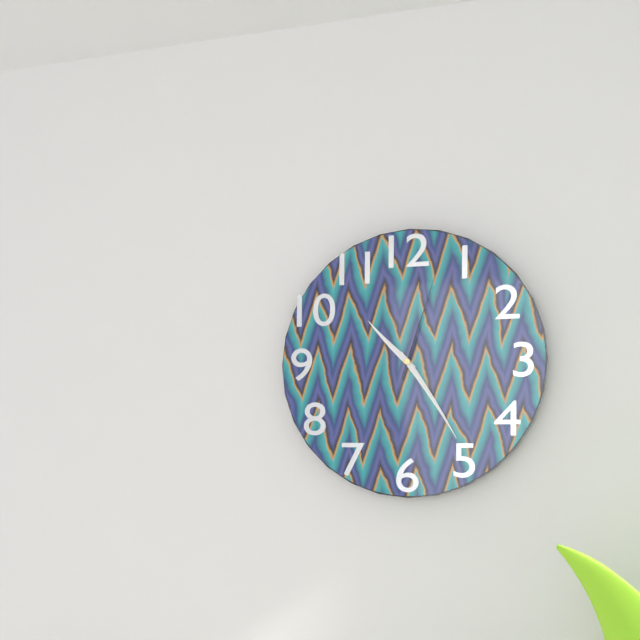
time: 10:24:03
